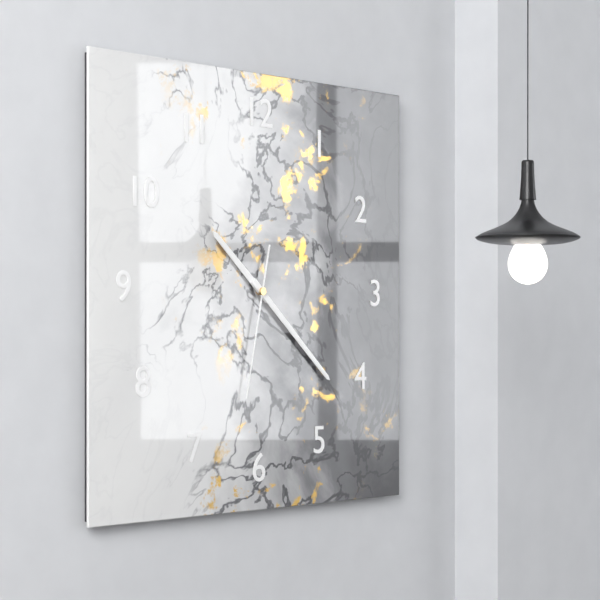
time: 10:22:32
